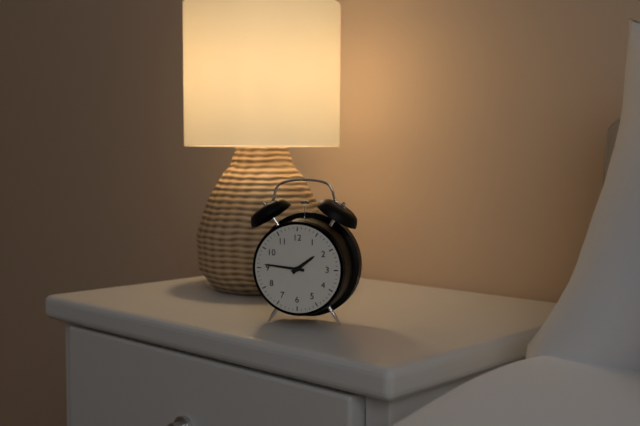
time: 1:46
